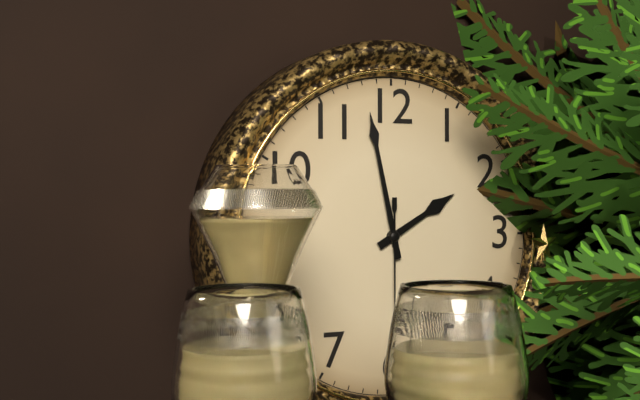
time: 1:58:30
